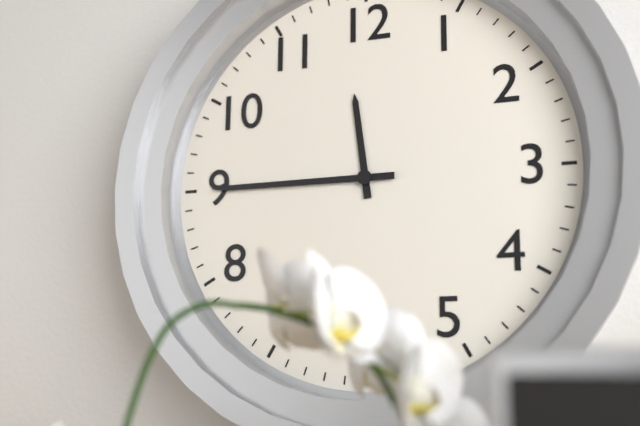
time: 11:45
